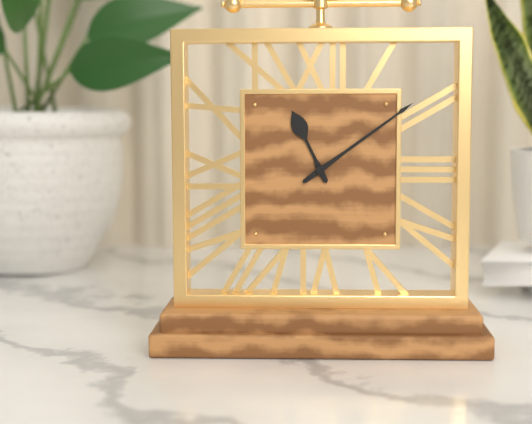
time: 11:09
